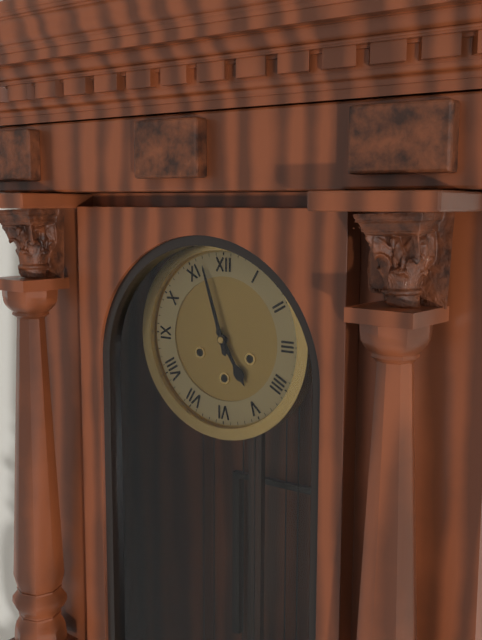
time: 4:57
